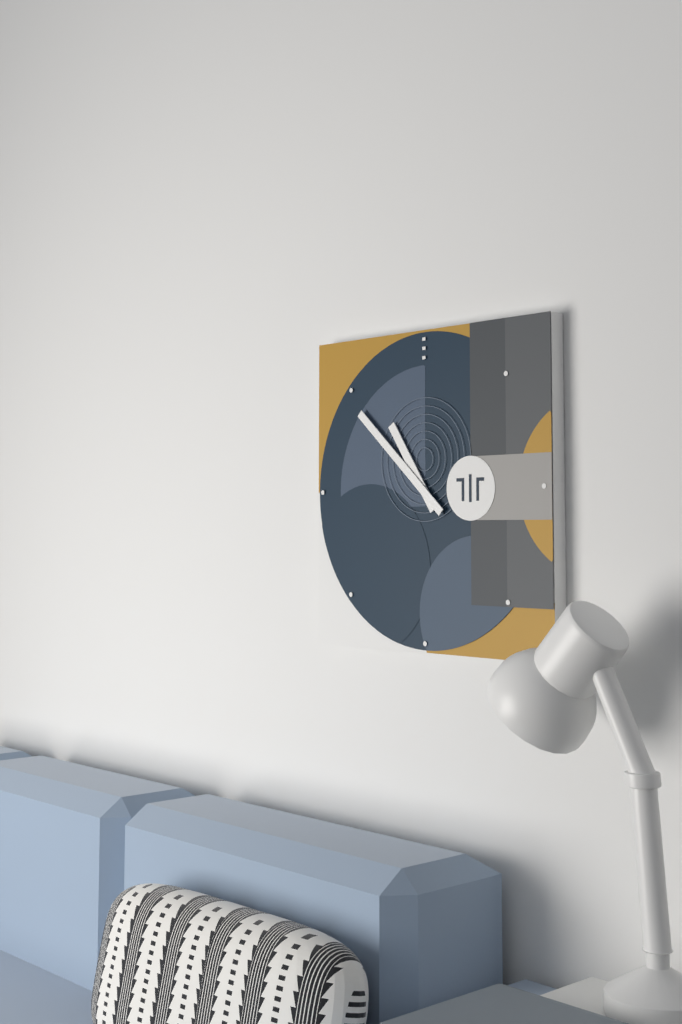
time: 10:52
